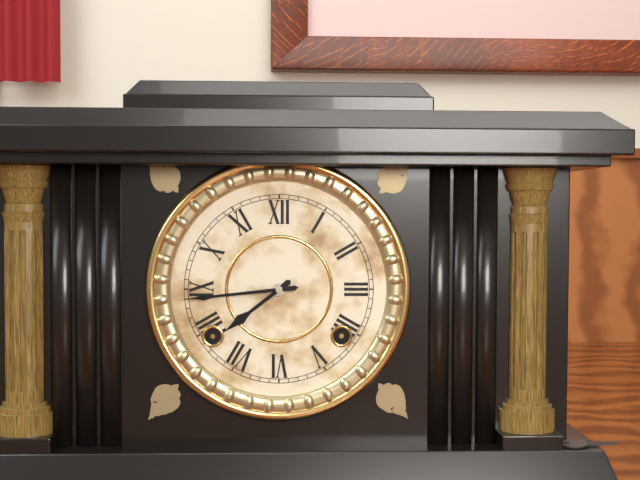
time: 7:44
